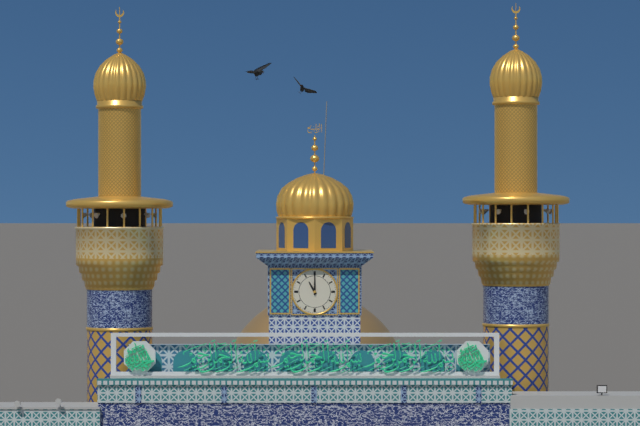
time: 11:00
